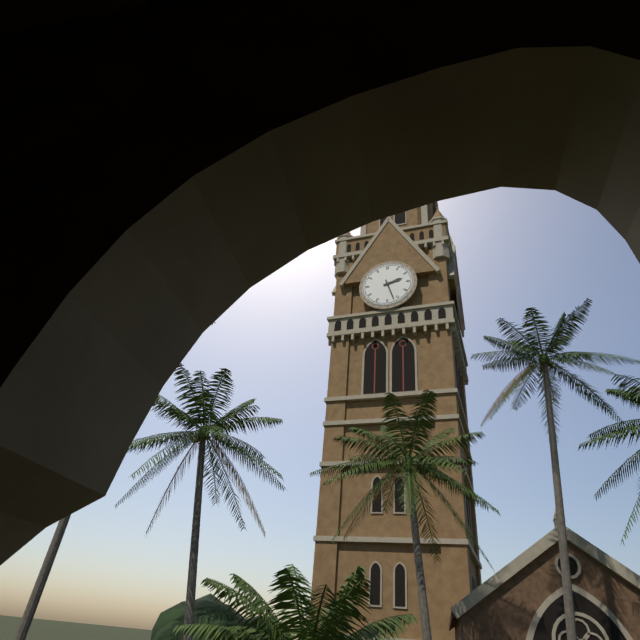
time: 2:27
